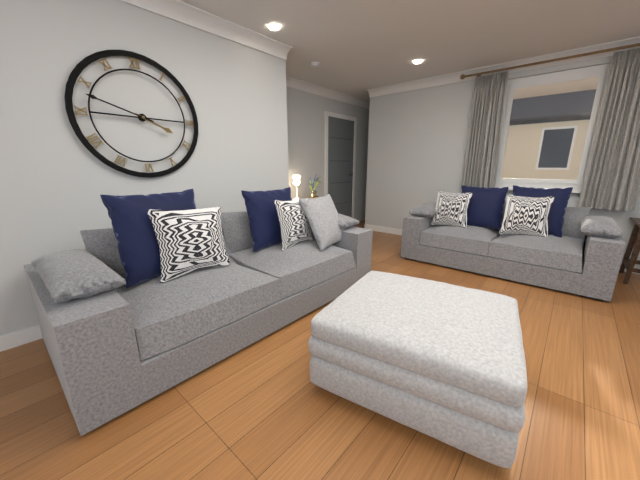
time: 3:48
